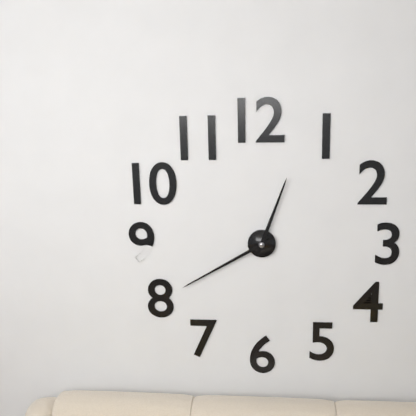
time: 12:40
